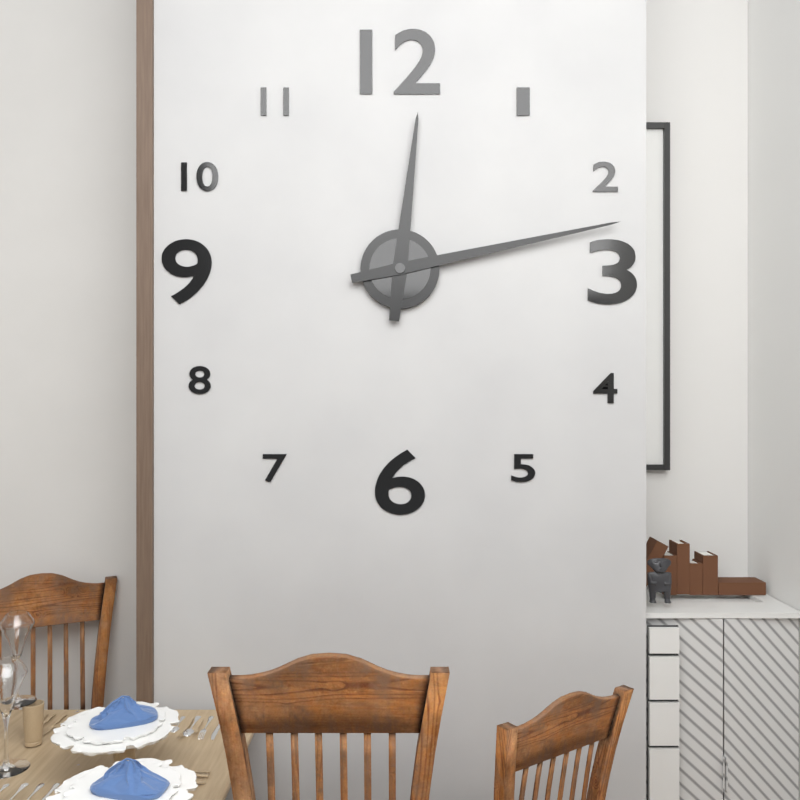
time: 12:13
